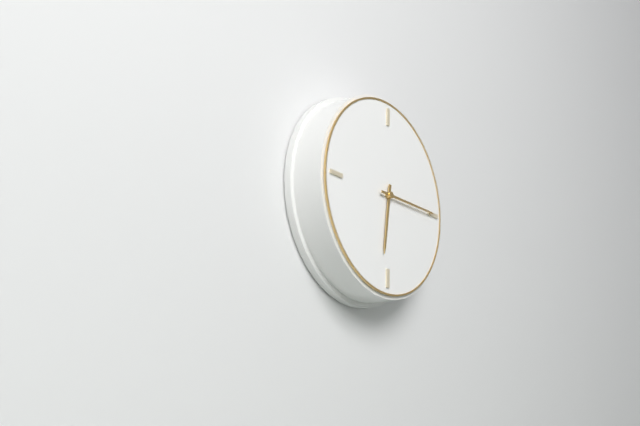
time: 6:15
